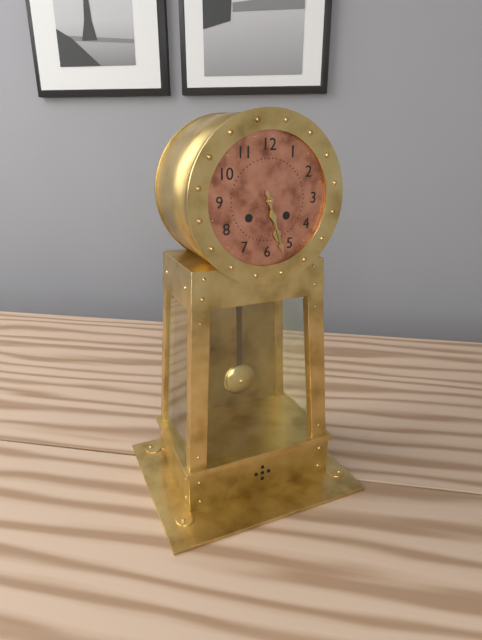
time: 5:27
